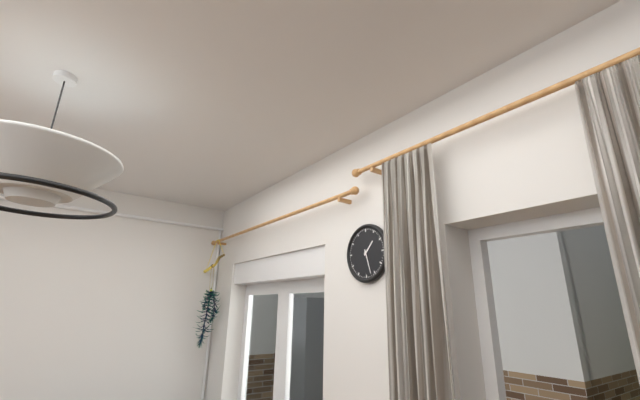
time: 1:27
